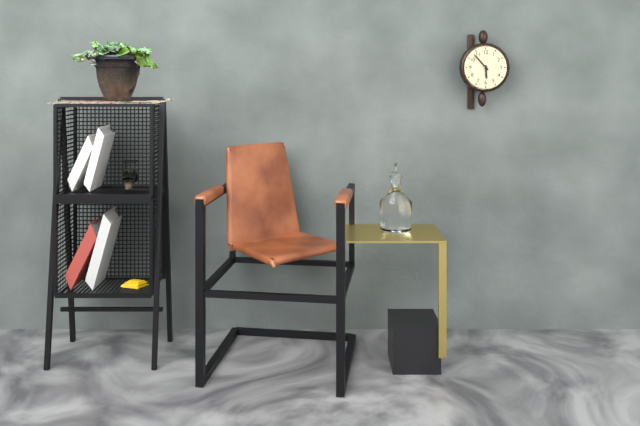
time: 5:53
